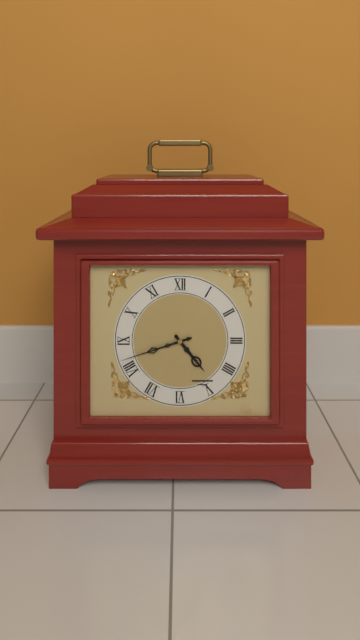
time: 4:42
